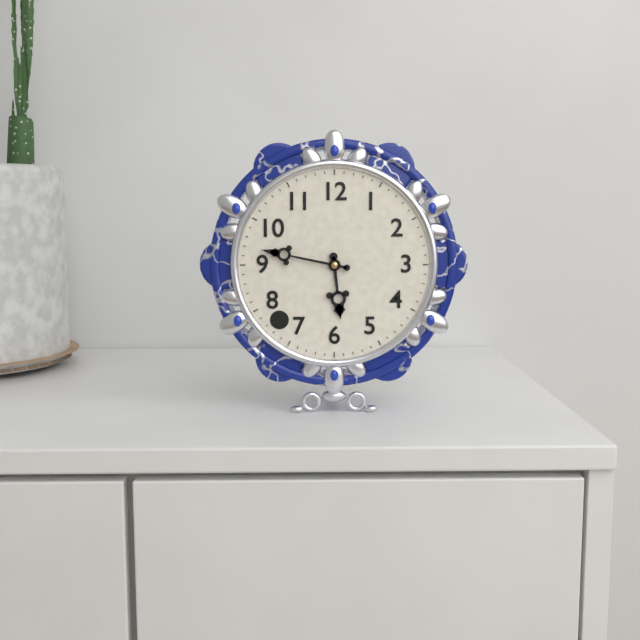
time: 5:47
